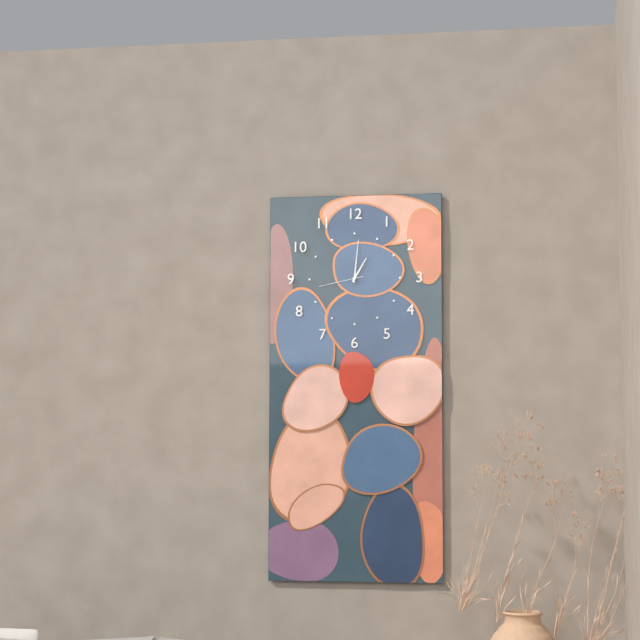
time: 1:01
